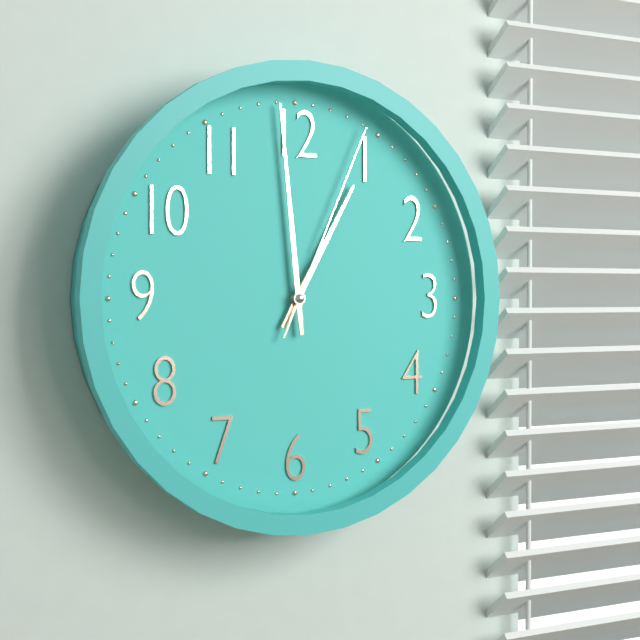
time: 12:59:04
